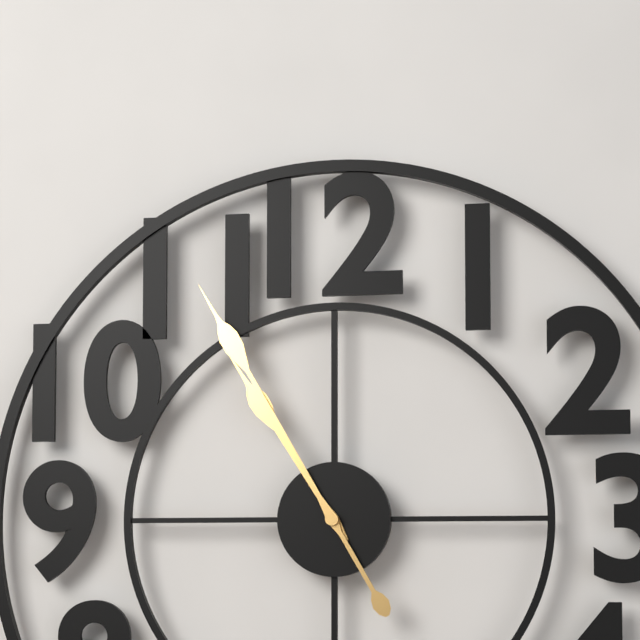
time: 10:55
